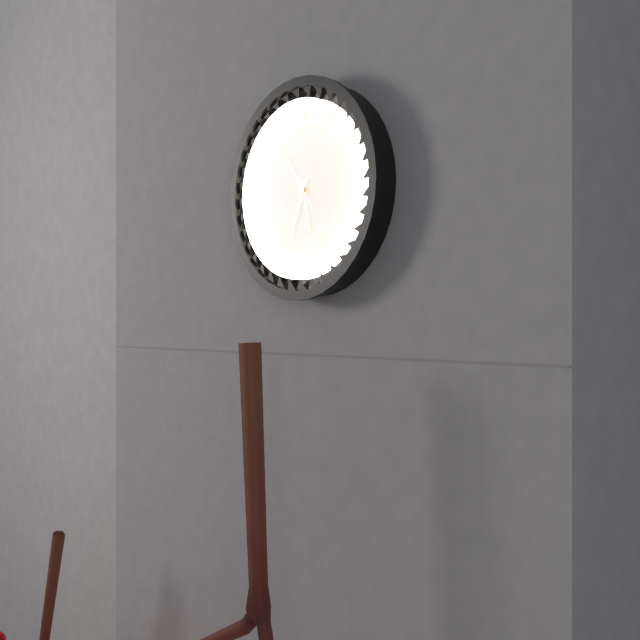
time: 5:34:54
